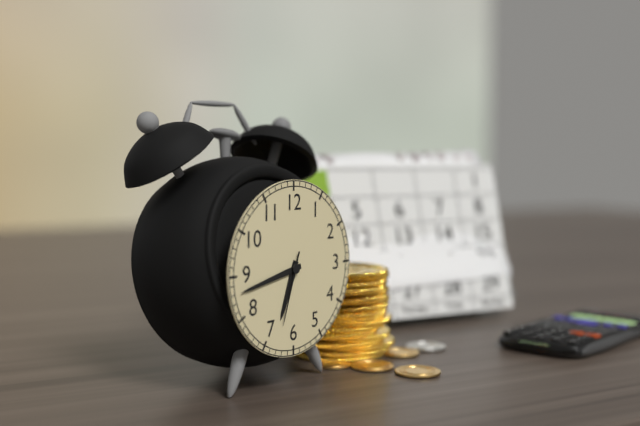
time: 6:43:33
